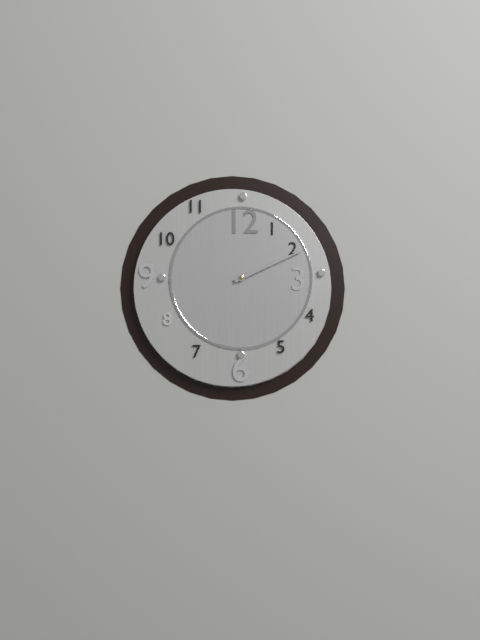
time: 2:11
